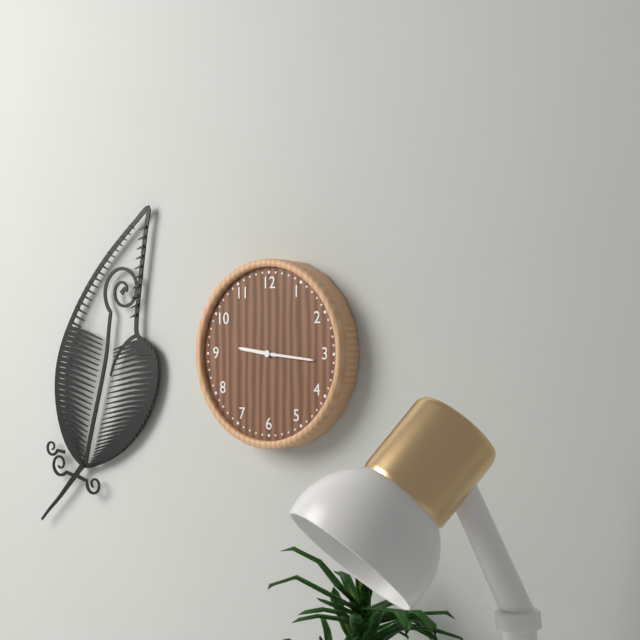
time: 9:16
